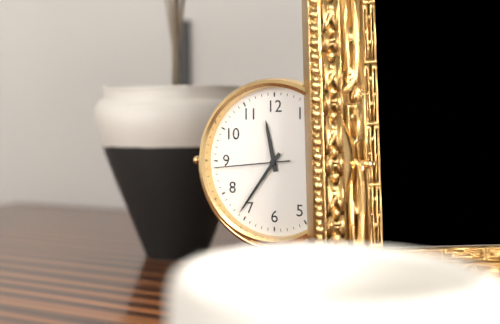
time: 11:36:44
